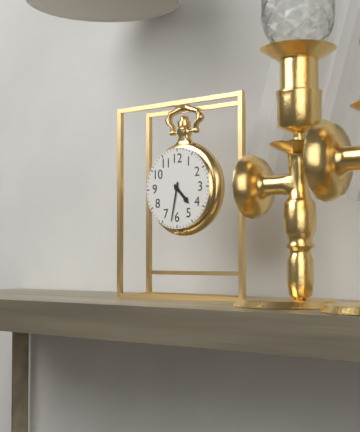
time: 4:32
